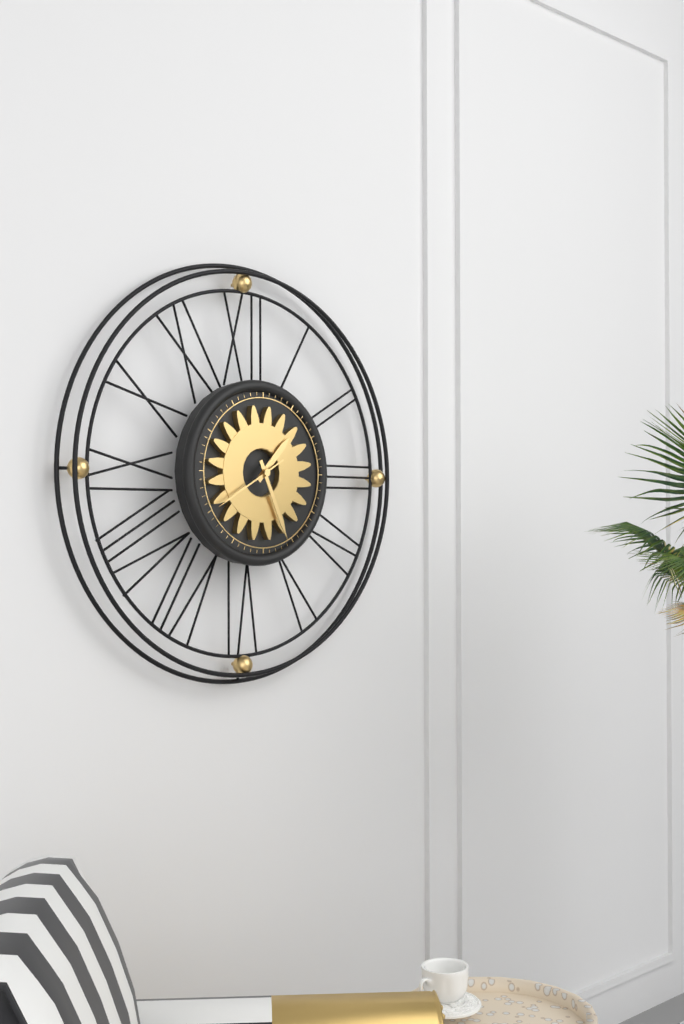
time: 1:26:40
